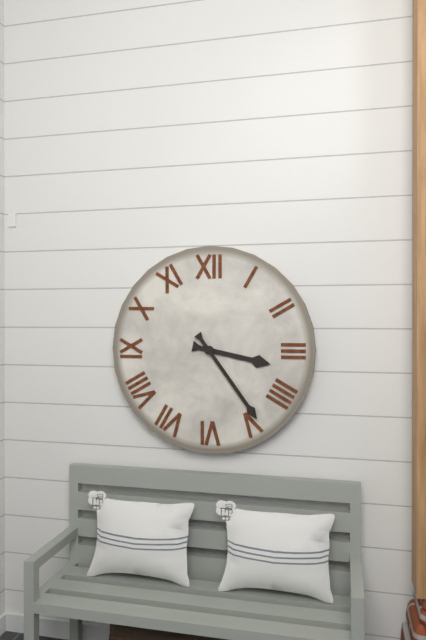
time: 3:24
